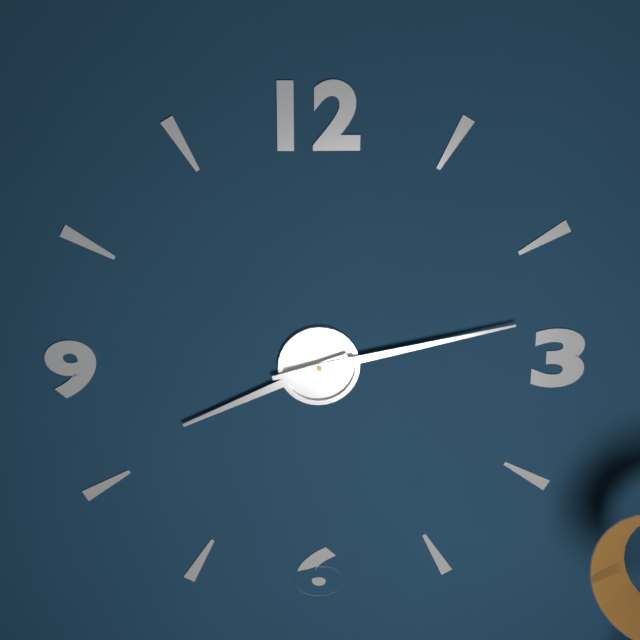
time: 8:13
